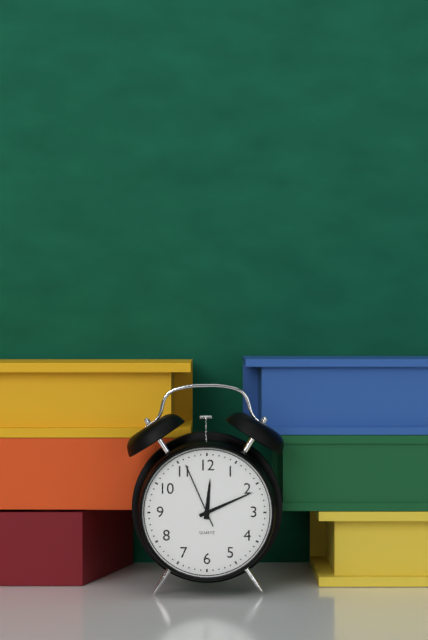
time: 12:11:56
